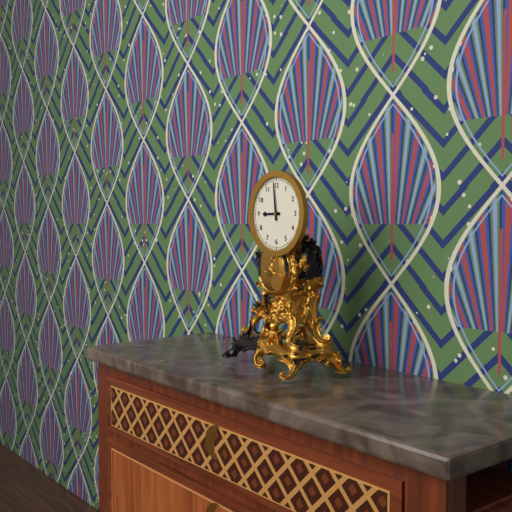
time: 8:59
